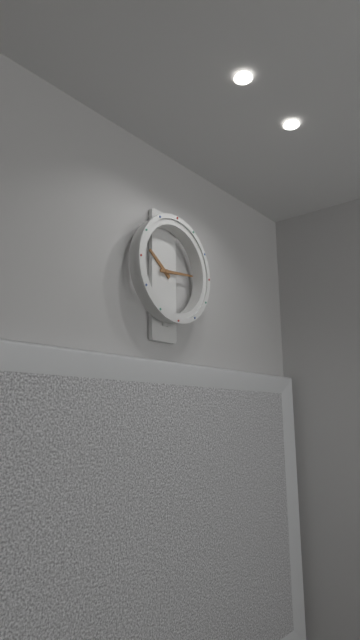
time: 10:14
